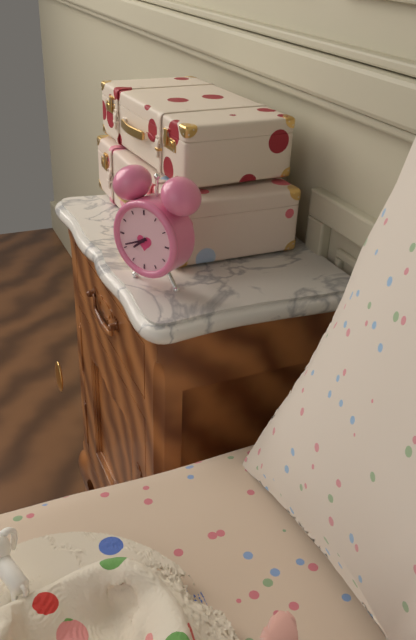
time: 7:41
